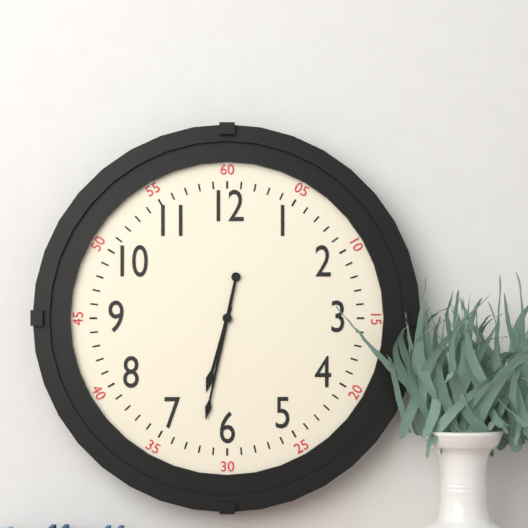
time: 6:32
